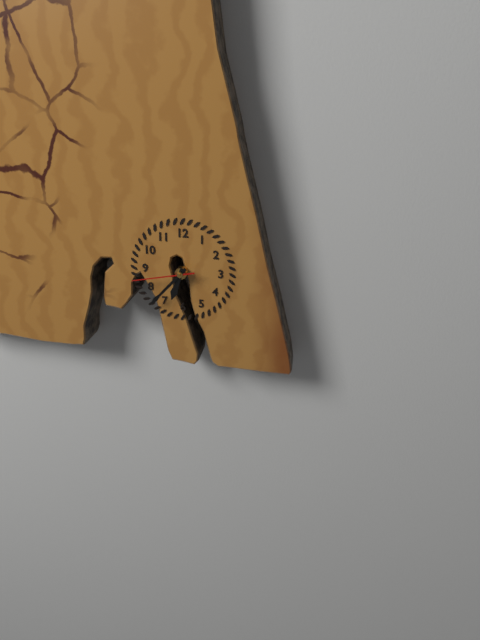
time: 6:37:43
